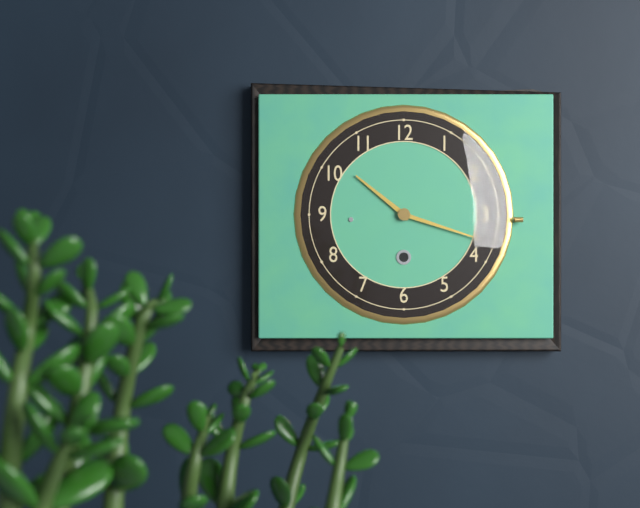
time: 10:18
